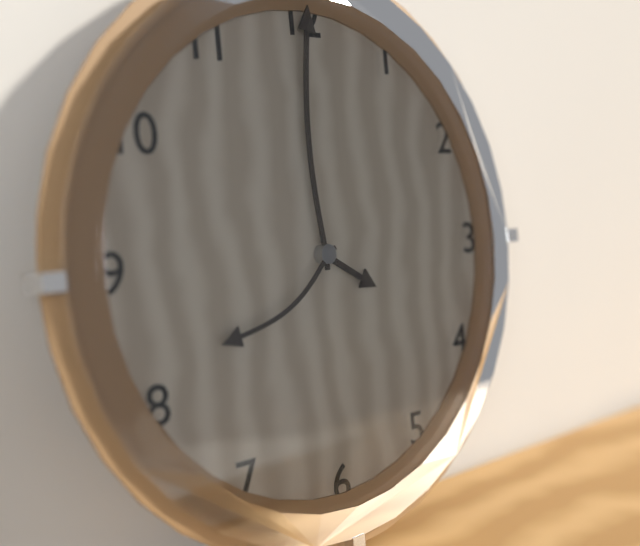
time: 4:00:40
